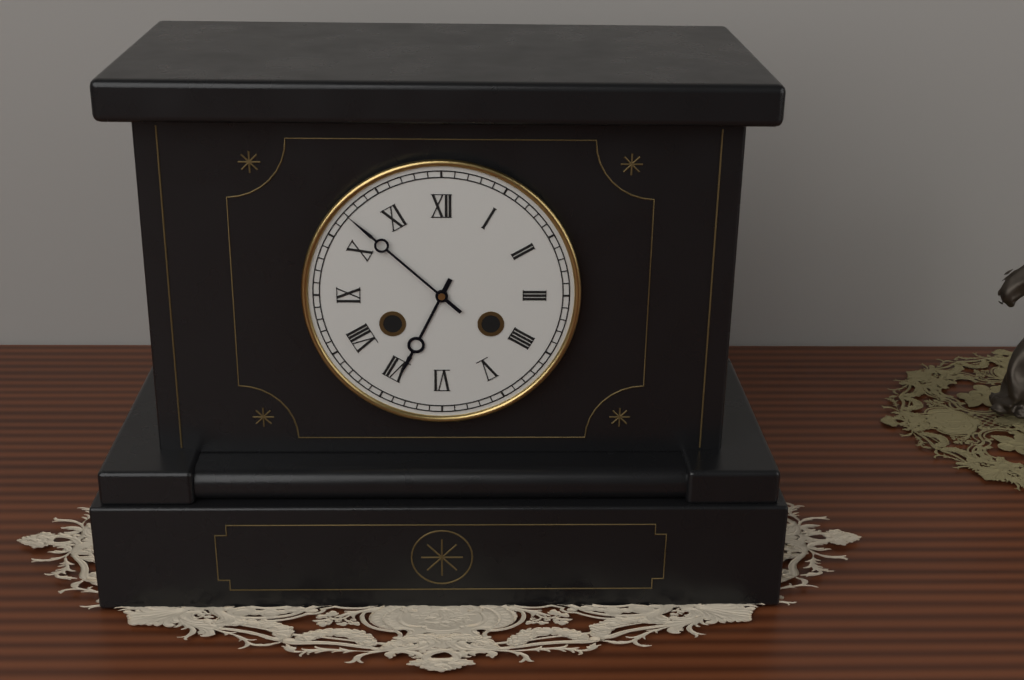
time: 6:52
